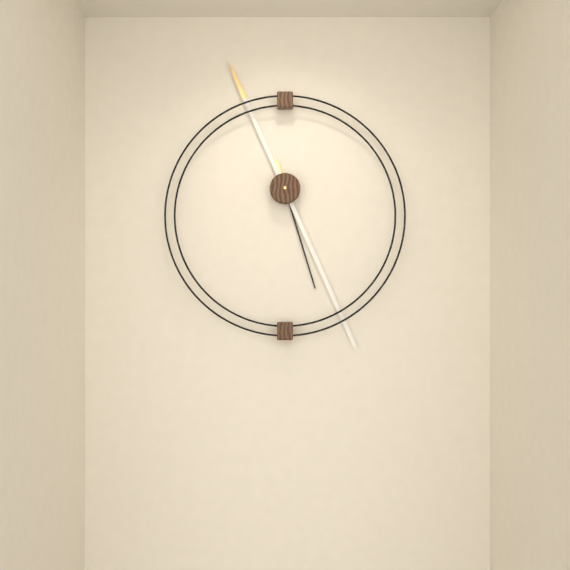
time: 5:26
